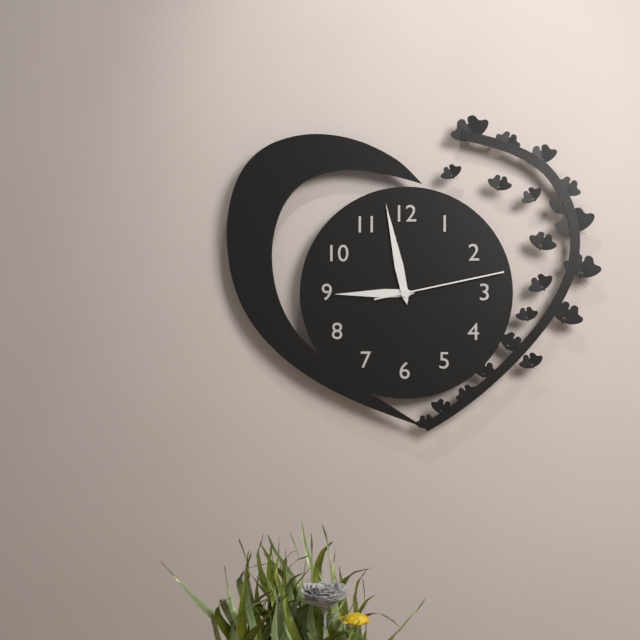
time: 8:58:13
